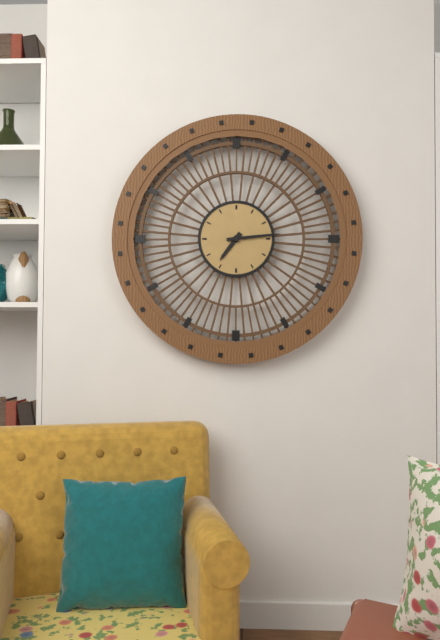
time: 7:14
